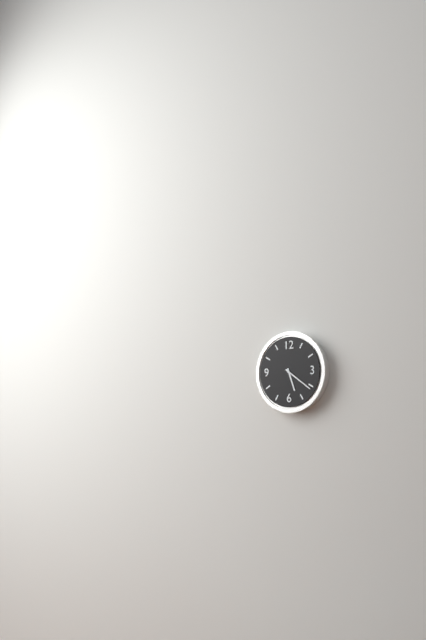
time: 5:21
